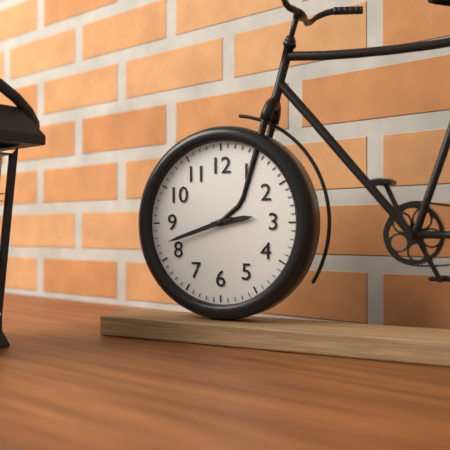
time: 2:42
